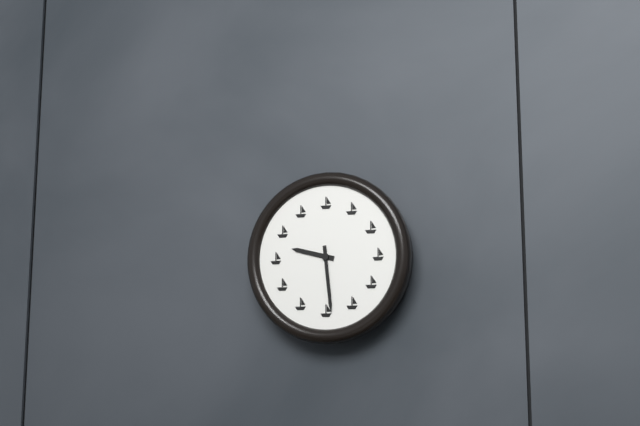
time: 9:29
